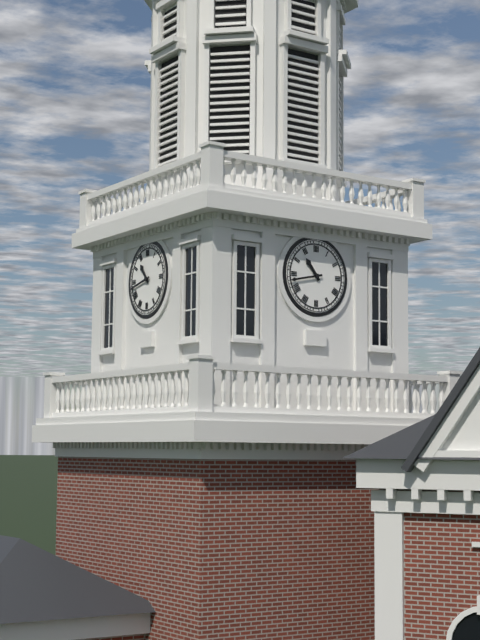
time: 10:43
